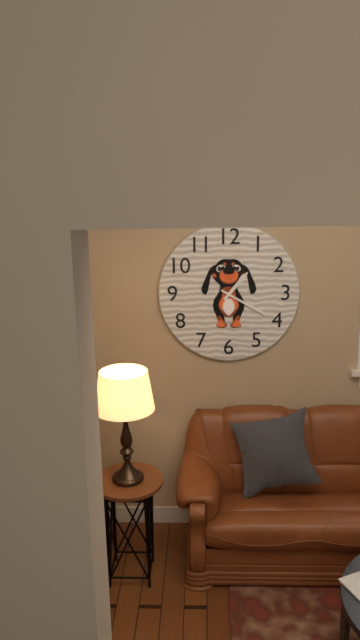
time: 1:20
